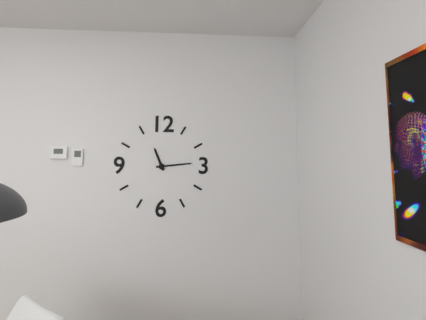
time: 11:14
